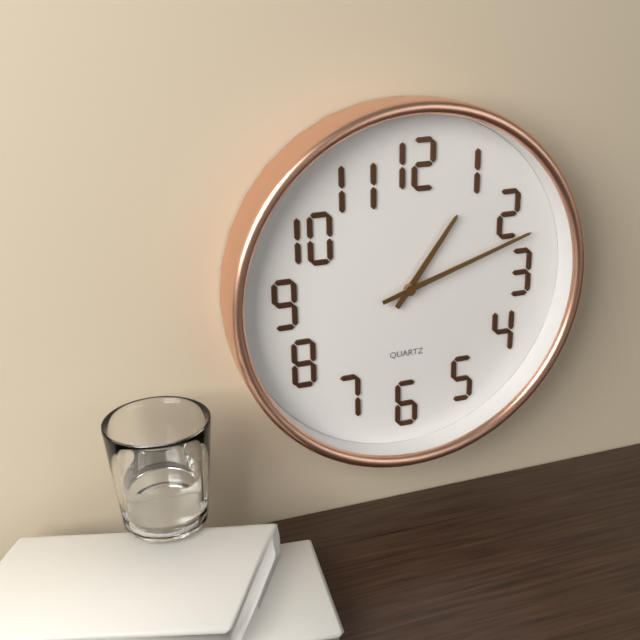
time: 1:12
